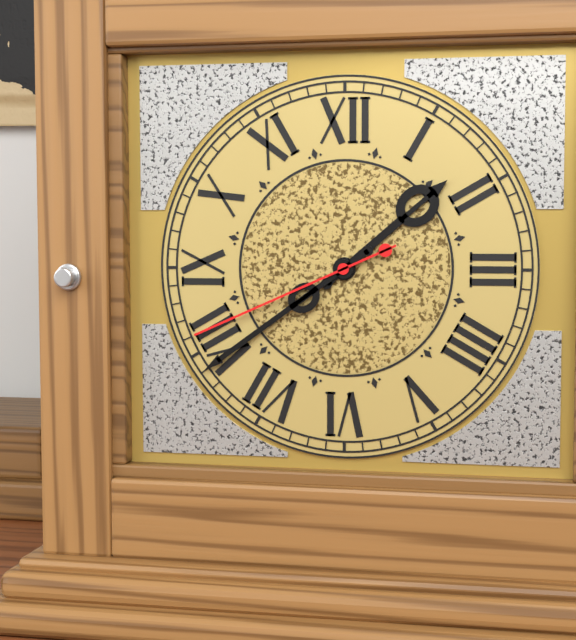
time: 1:39:41
